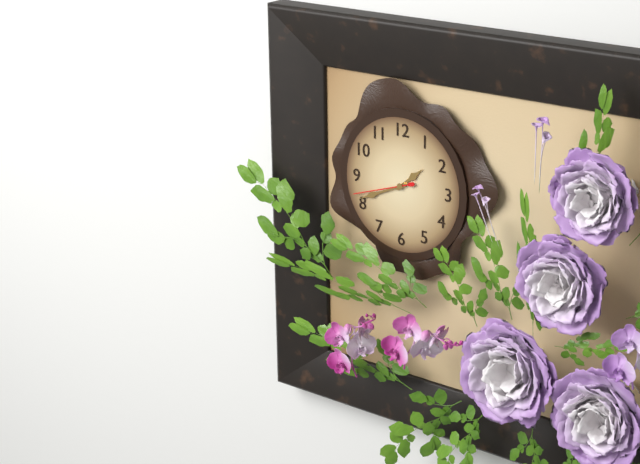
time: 1:41:42
